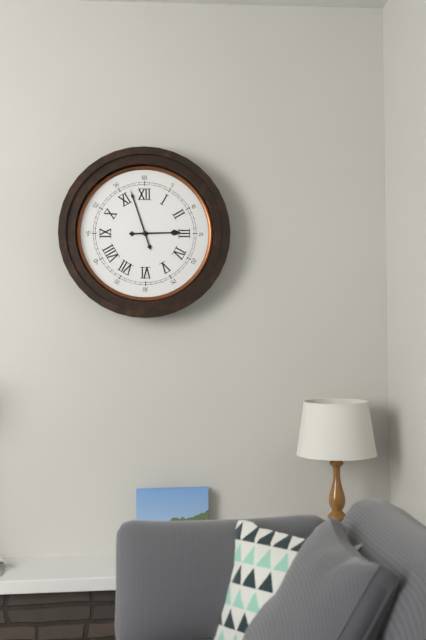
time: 2:57
